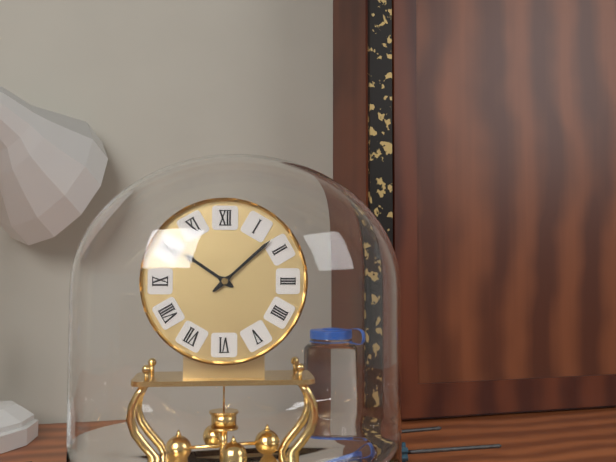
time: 10:08
